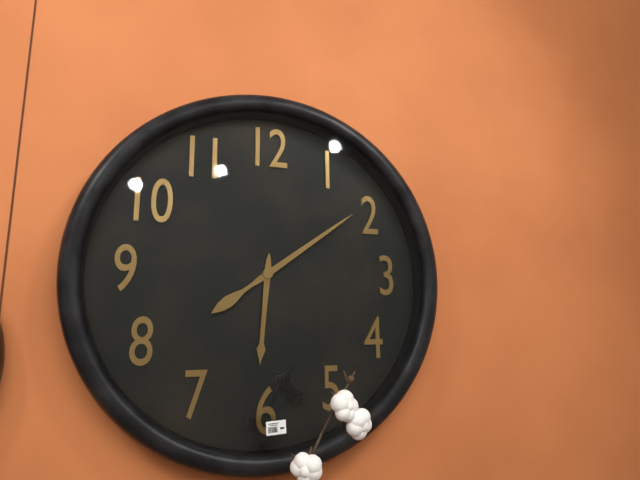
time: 6:09
